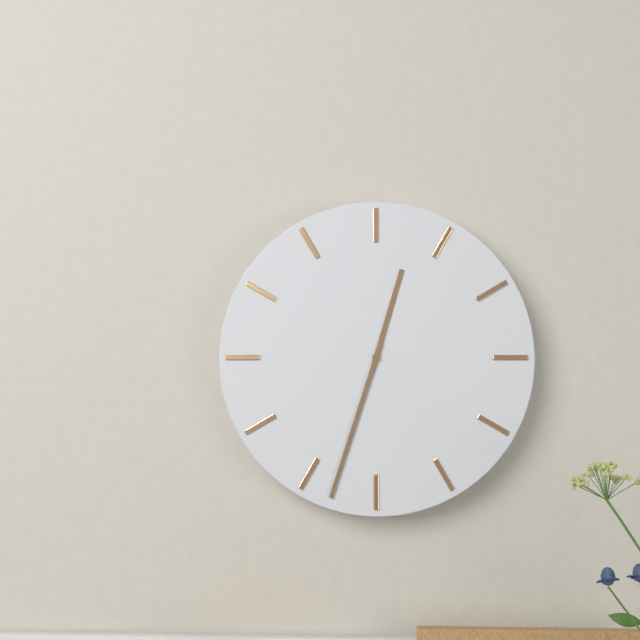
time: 12:33
